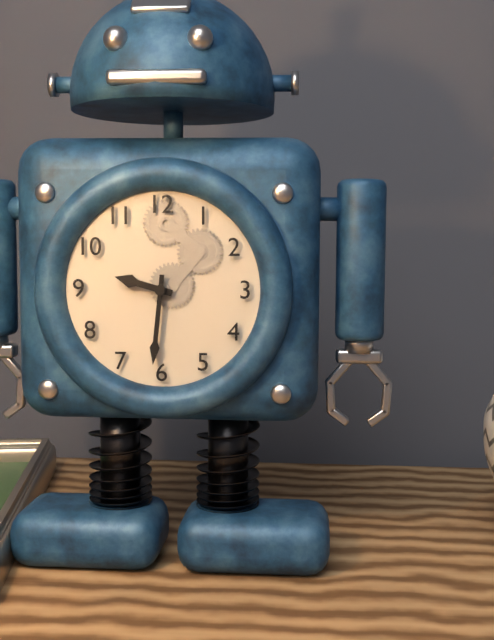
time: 9:31
